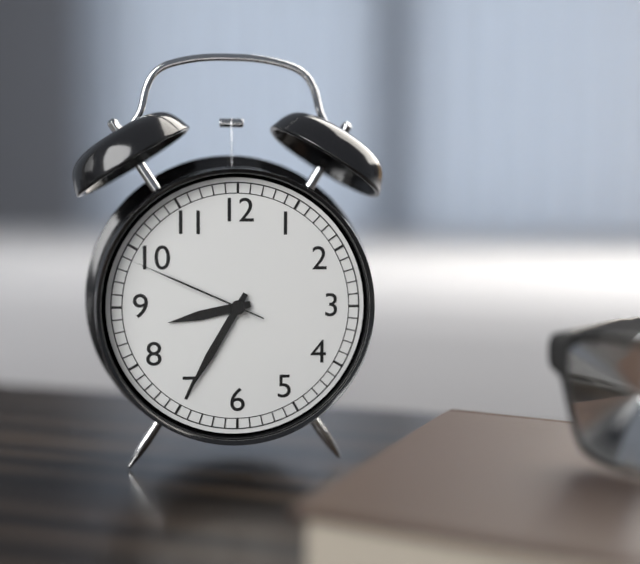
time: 8:35:49
